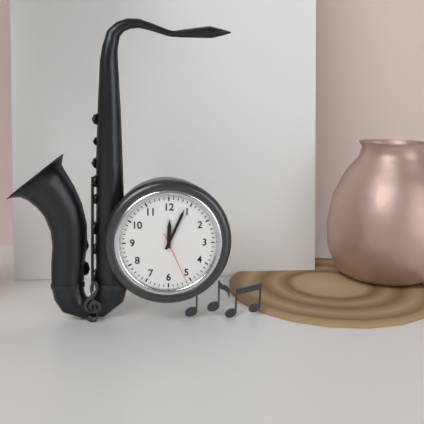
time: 12:04:26
